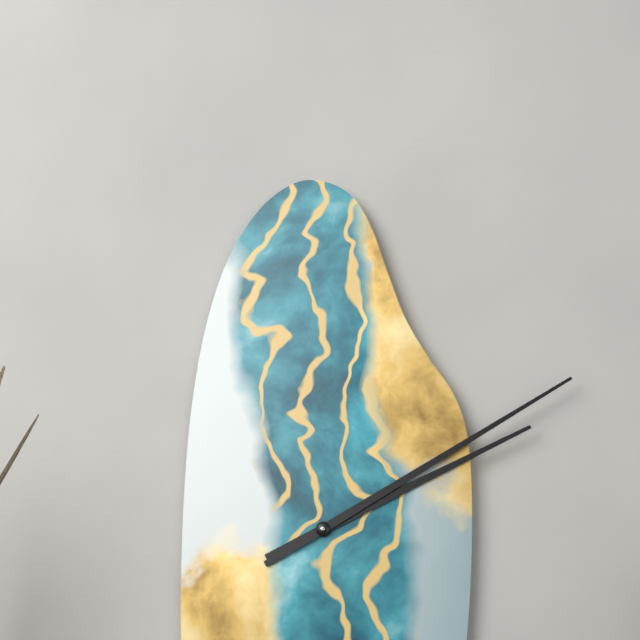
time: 2:10
